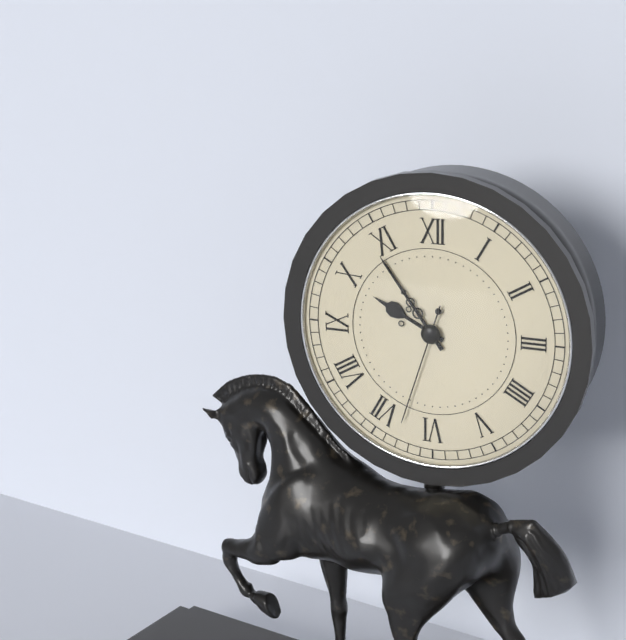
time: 9:54:33
